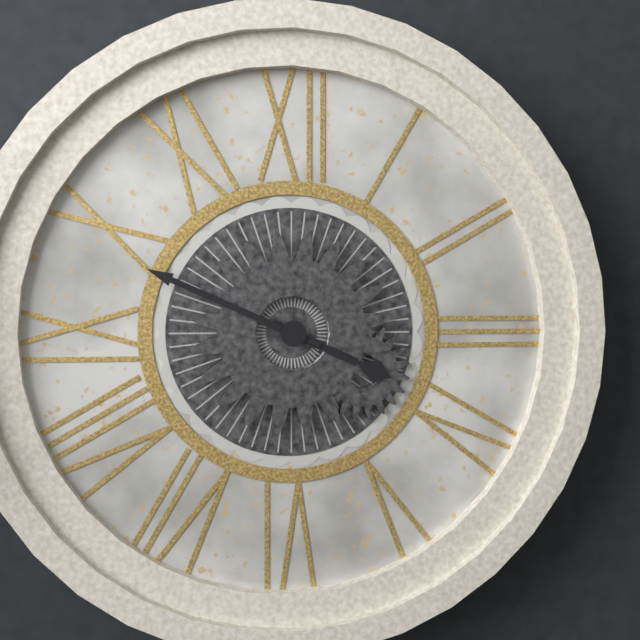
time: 3:49
